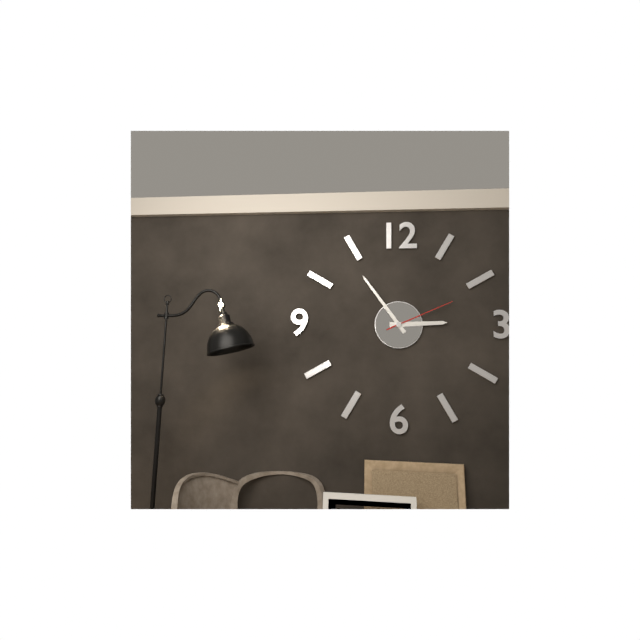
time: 2:54:11
